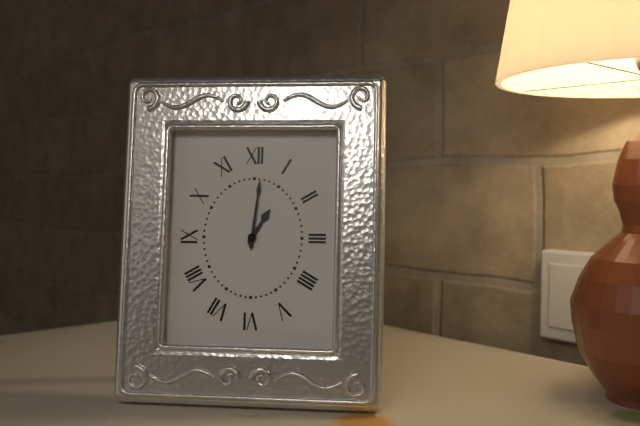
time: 1:01
